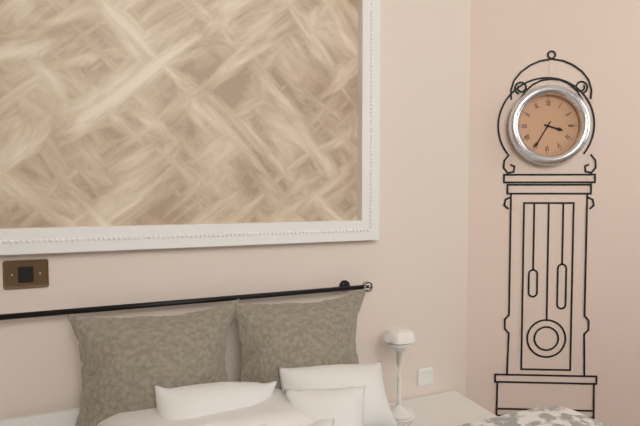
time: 3:35
